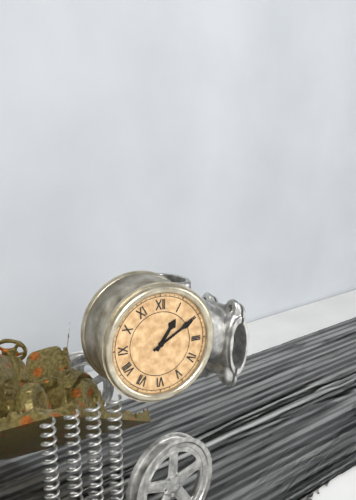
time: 1:10
